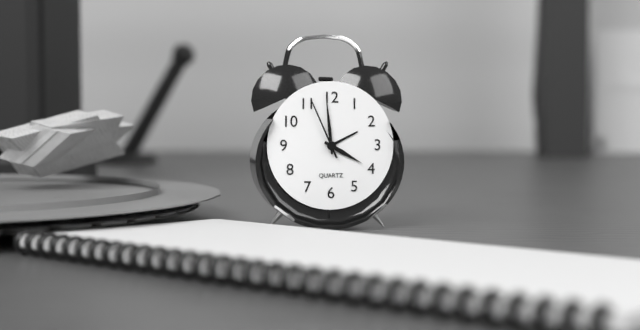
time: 3:59:56
